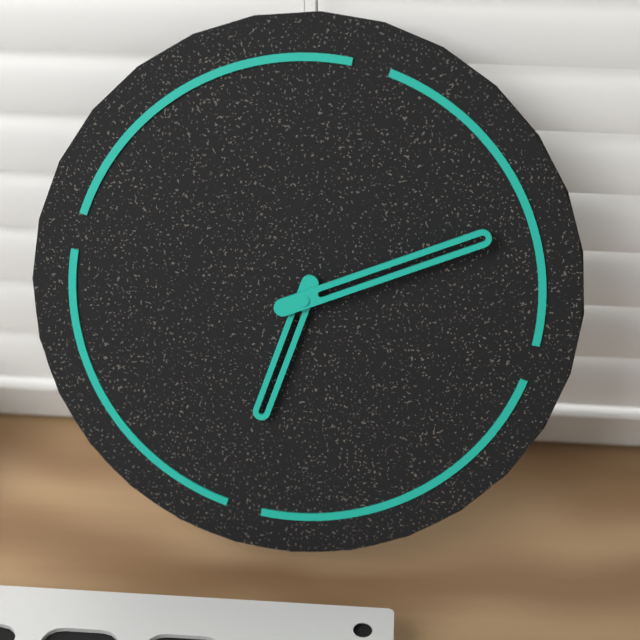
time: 6:09
